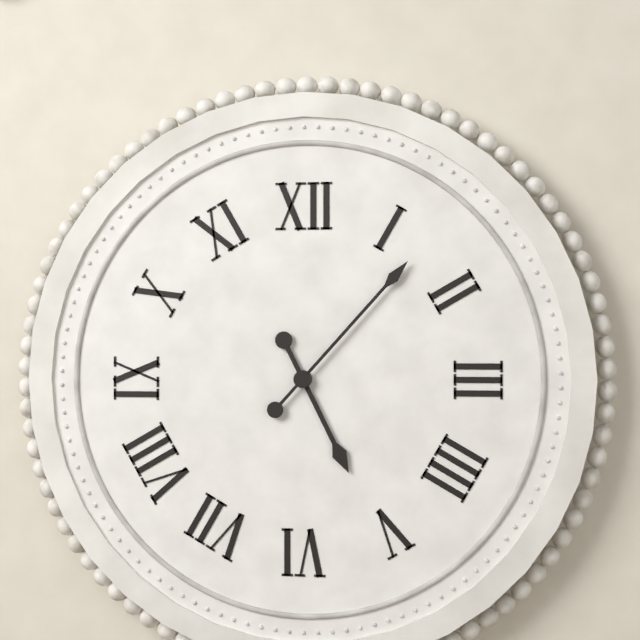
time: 5:07
